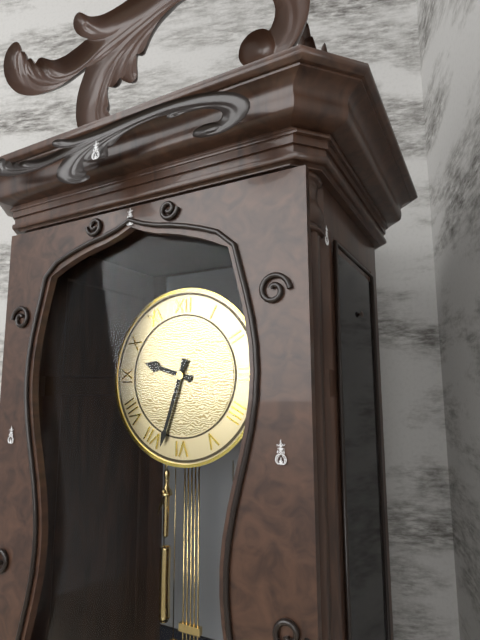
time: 9:33
